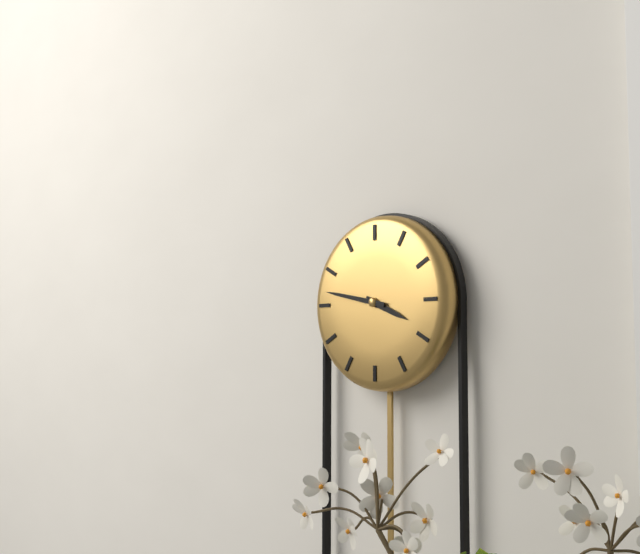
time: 3:47
